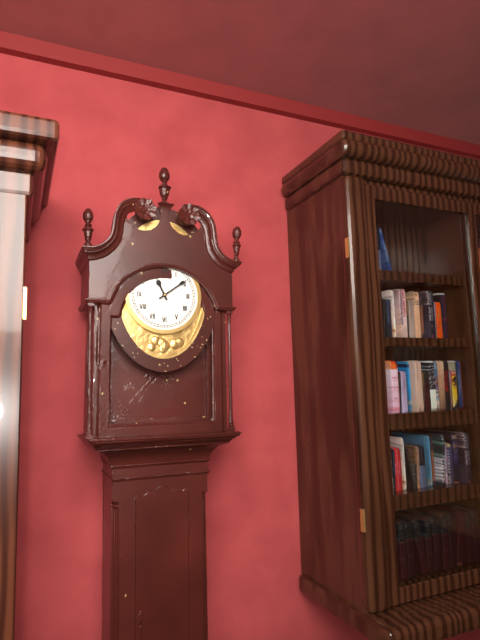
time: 11:09
